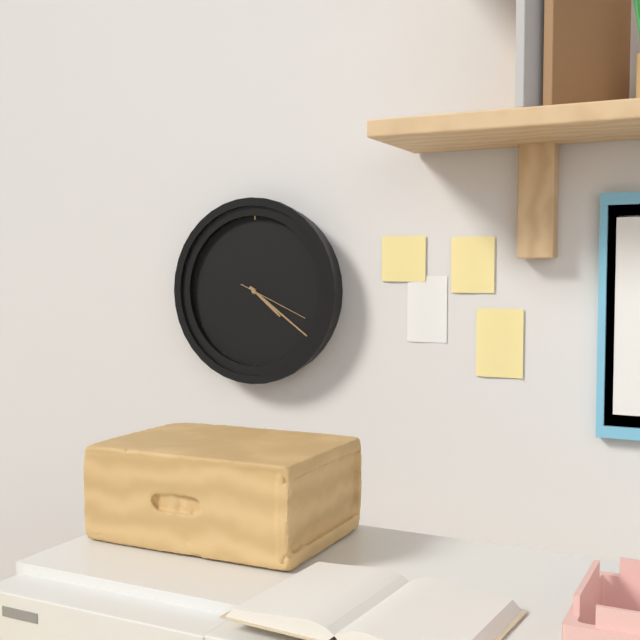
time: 4:21:19
